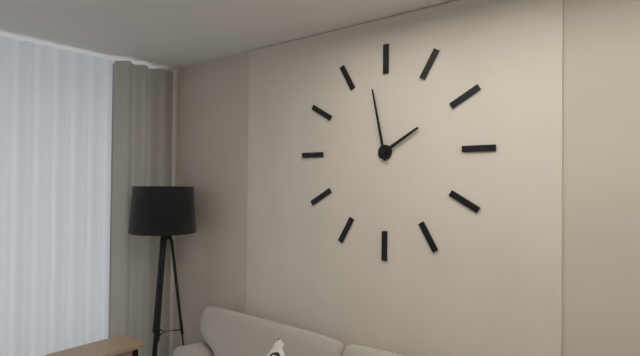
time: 1:58
